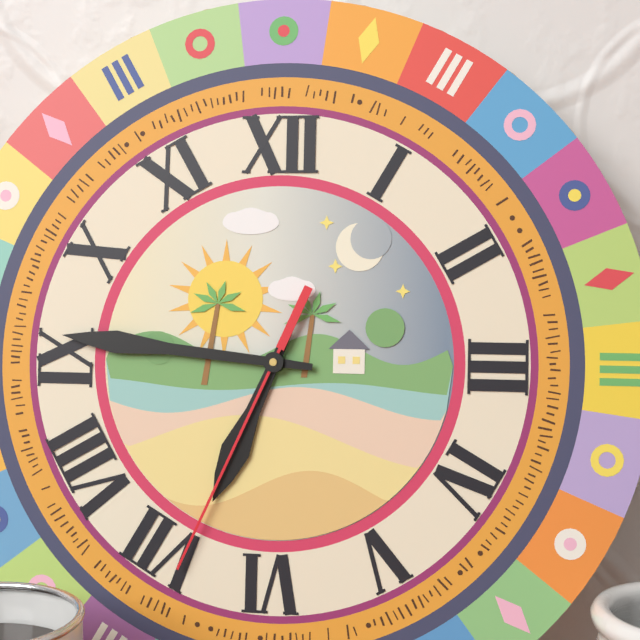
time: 6:46:34
